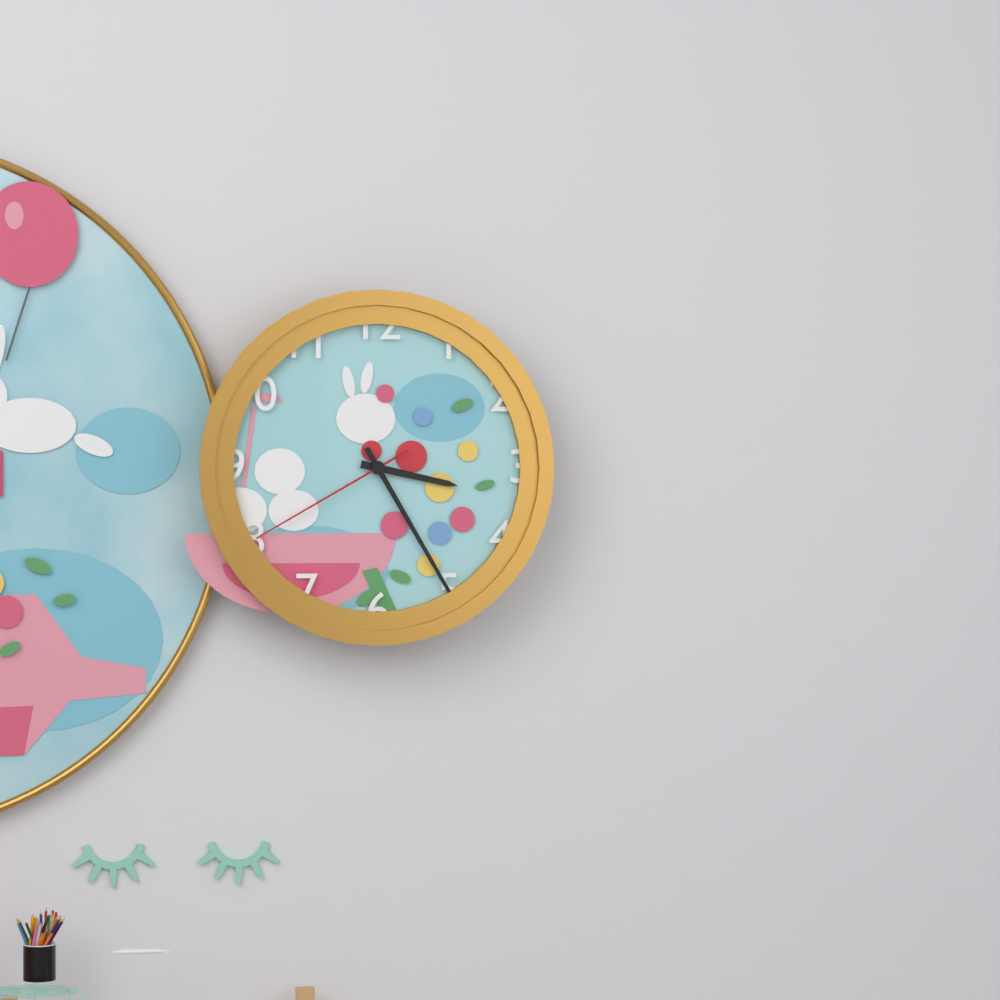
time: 3:25:40
